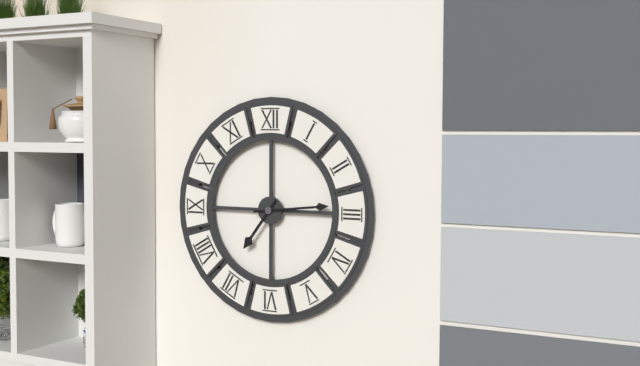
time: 7:14
